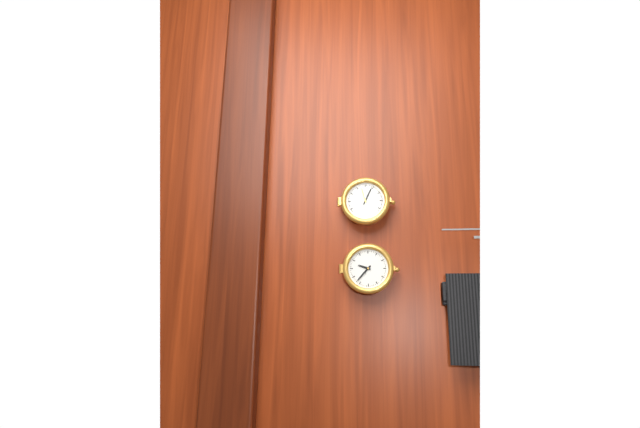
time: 9:37
